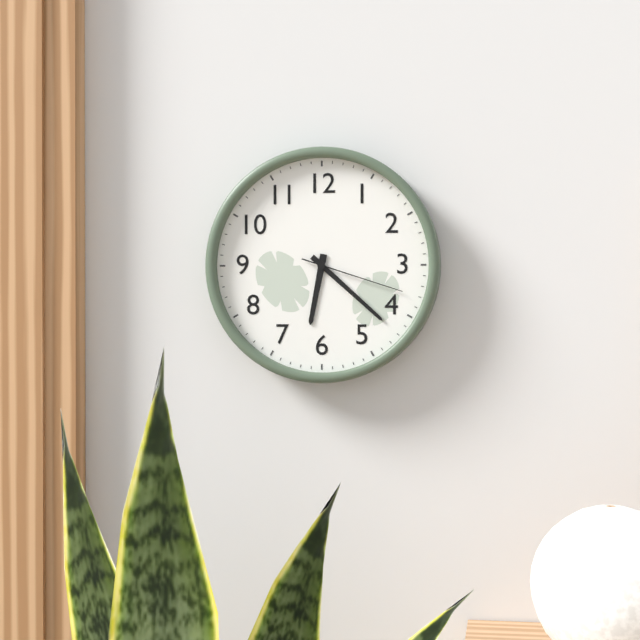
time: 6:22:18
